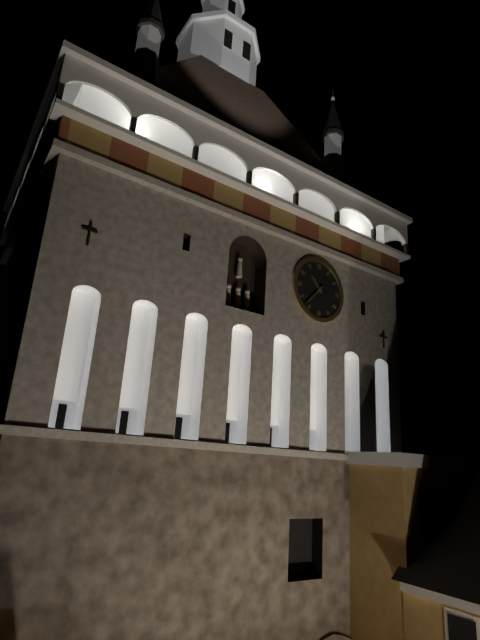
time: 10:37
